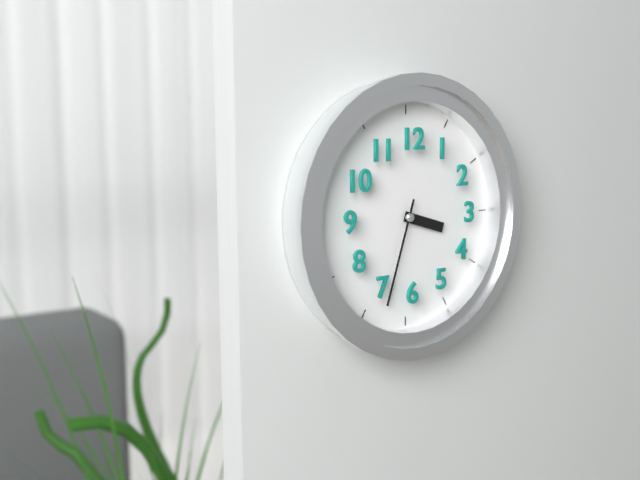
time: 3:33
